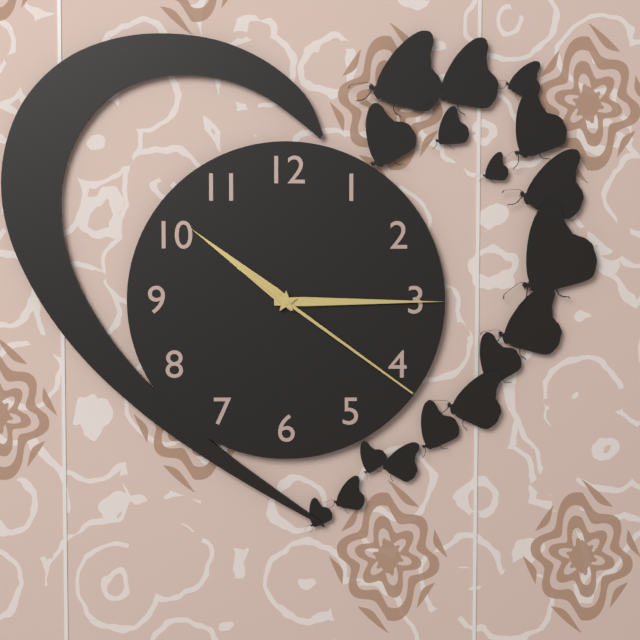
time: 10:15:21
